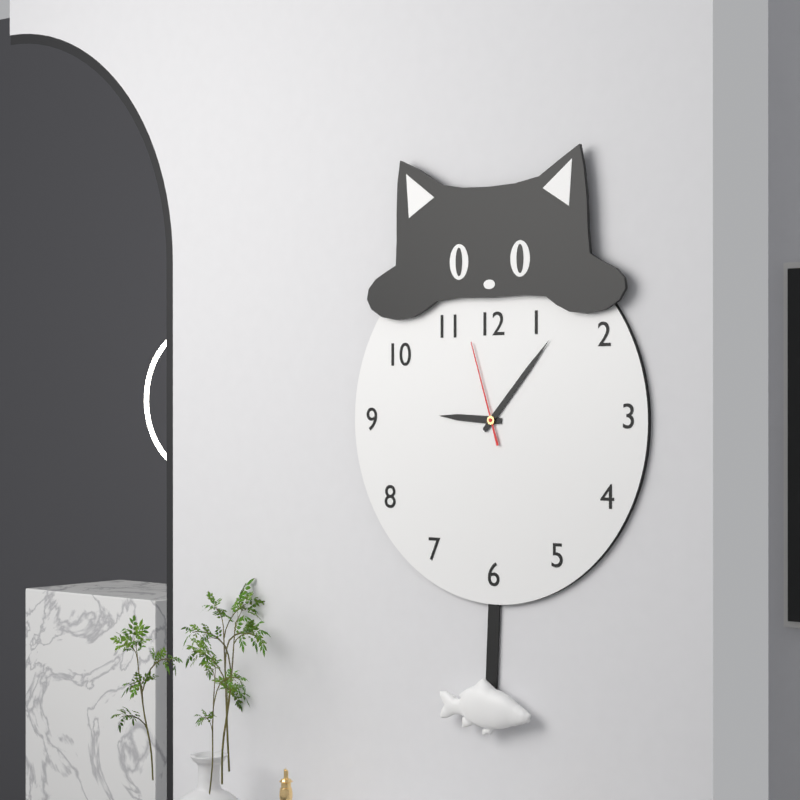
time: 9:07:57
